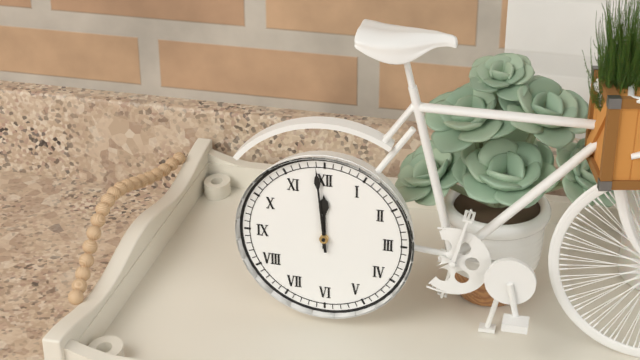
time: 11:59
